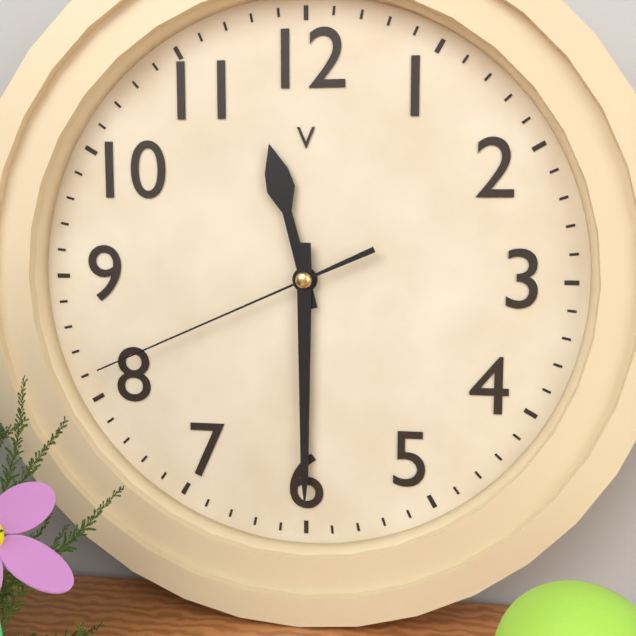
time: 11:30:41
